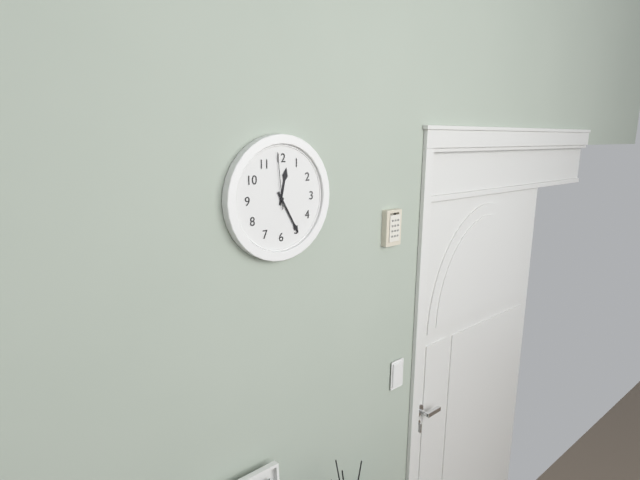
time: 12:25:59
